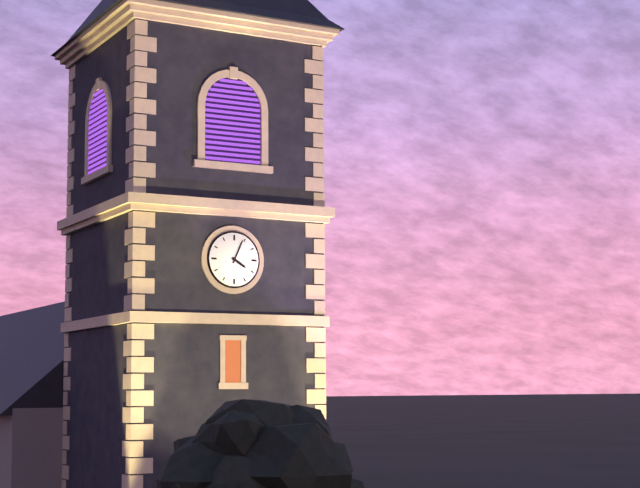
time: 4:04
